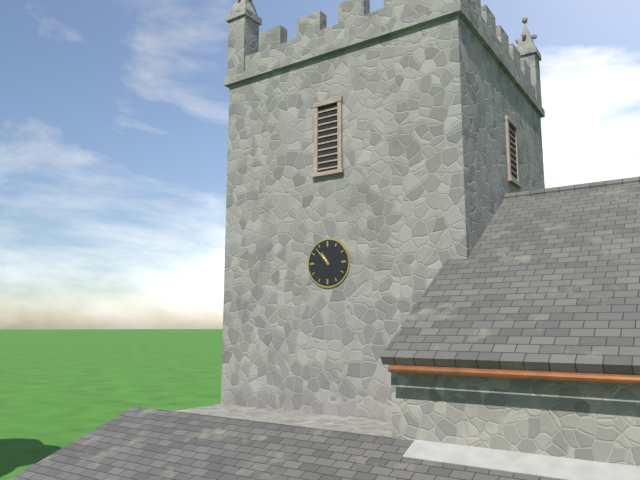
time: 10:53
